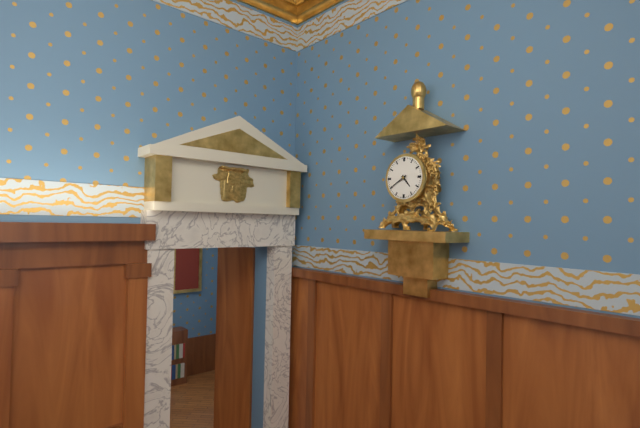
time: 4:40
